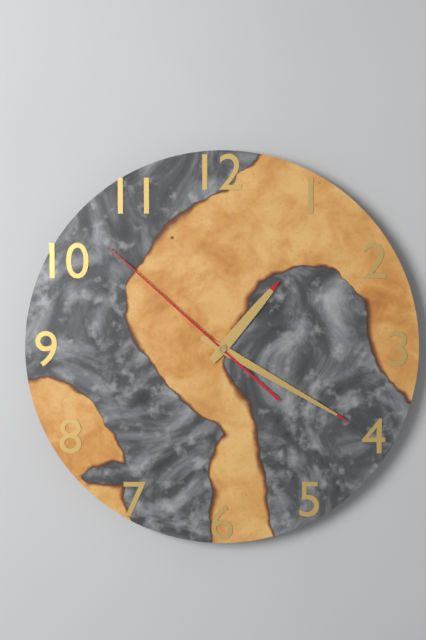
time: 1:20:52
